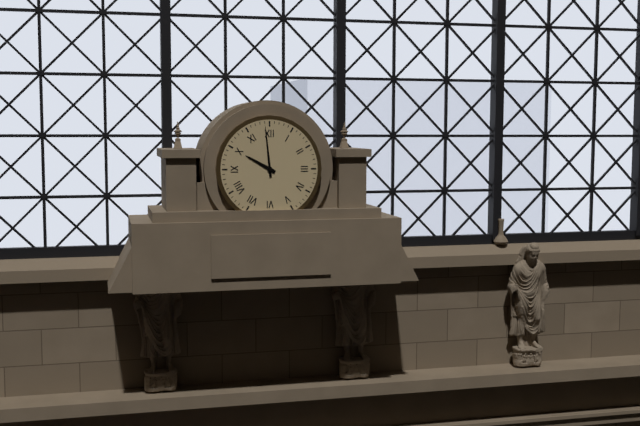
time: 9:59
